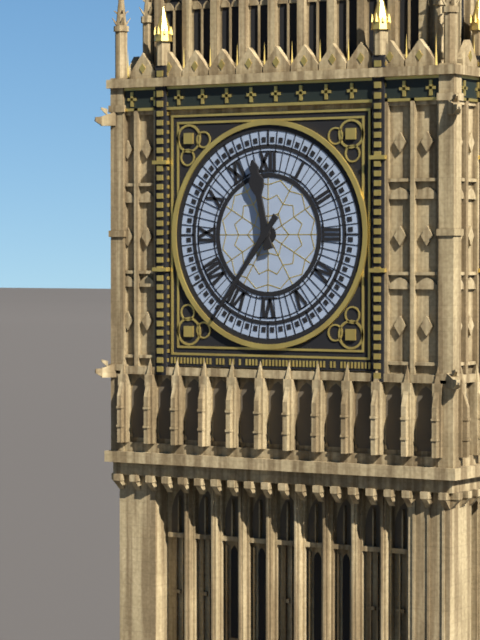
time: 11:36
